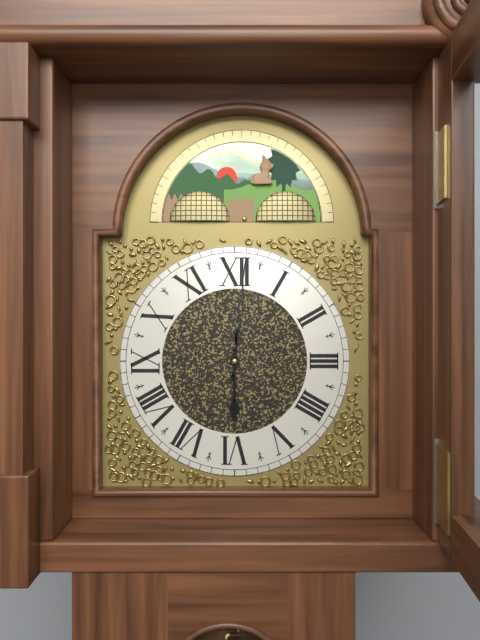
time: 6:01
